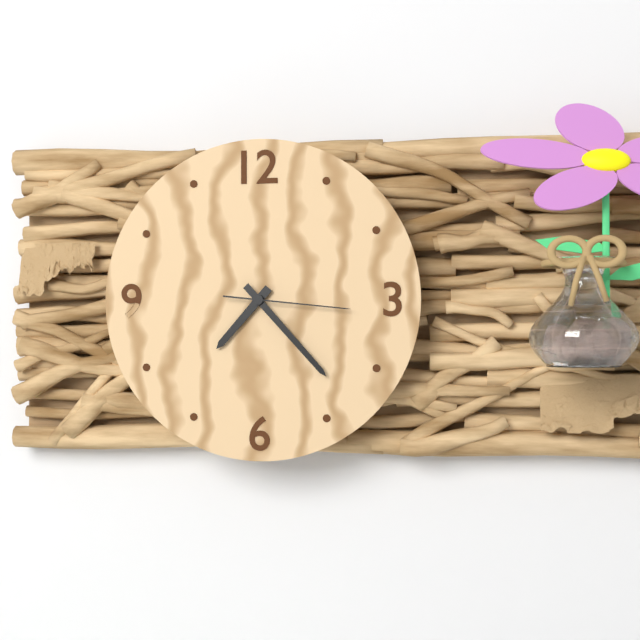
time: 7:23:16
